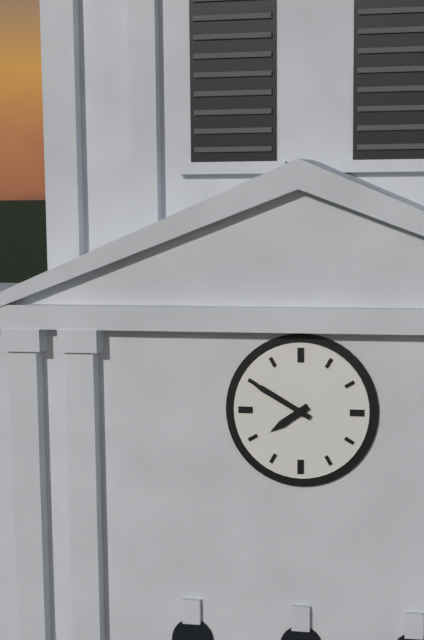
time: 7:50
